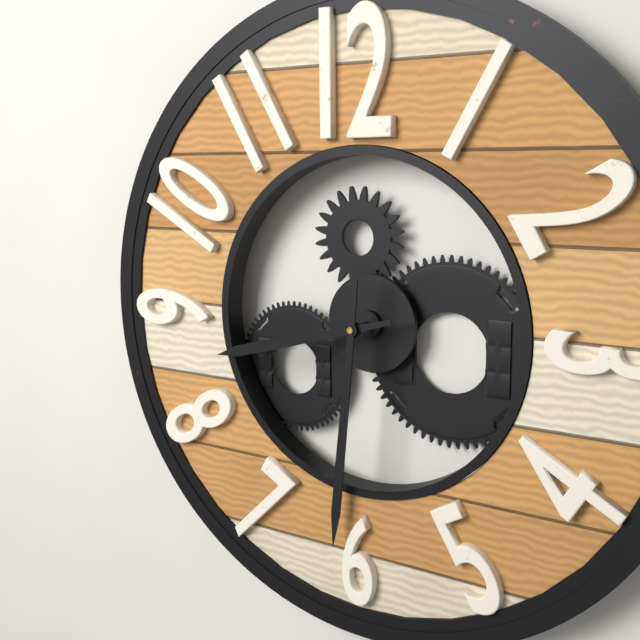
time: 8:31
